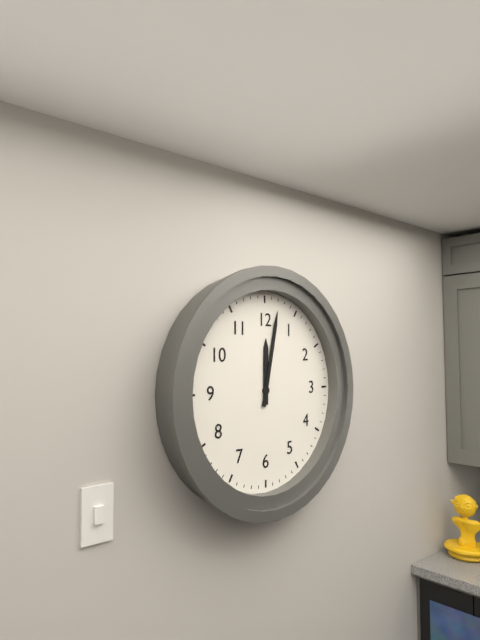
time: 12:02
